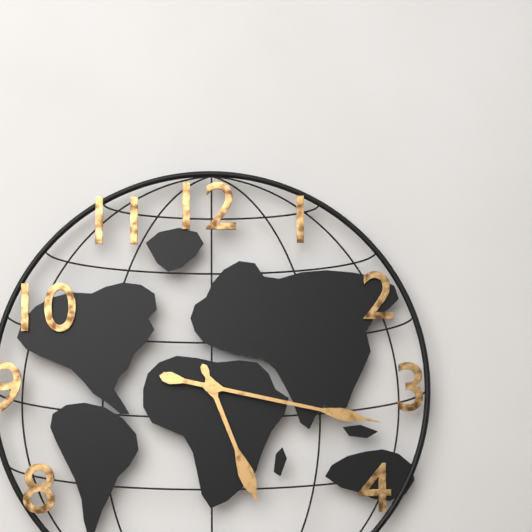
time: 5:17
